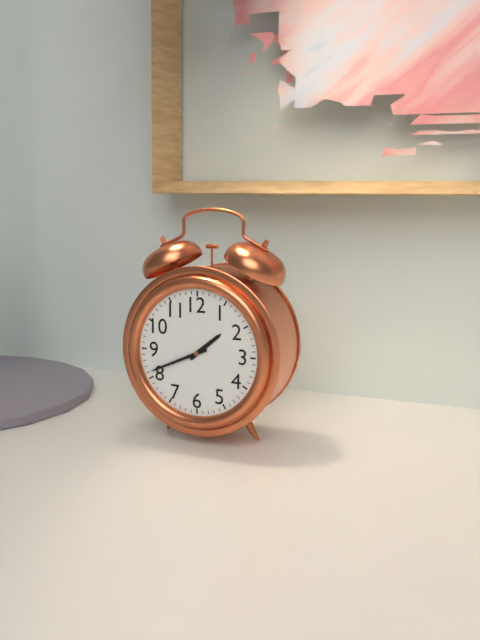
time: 1:41
